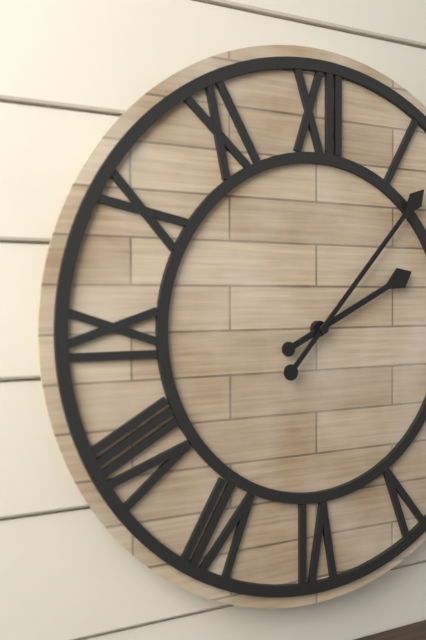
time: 2:07
